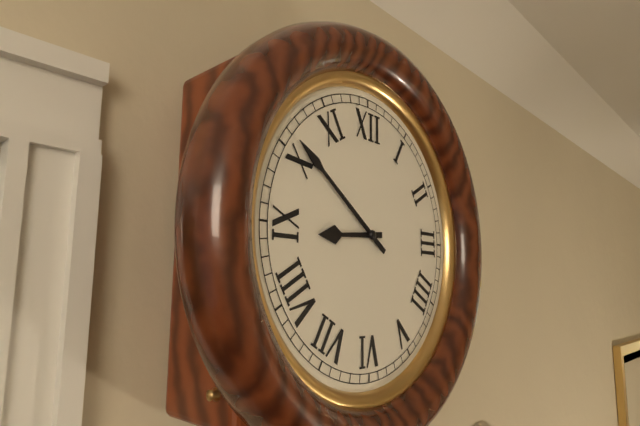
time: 8:51
